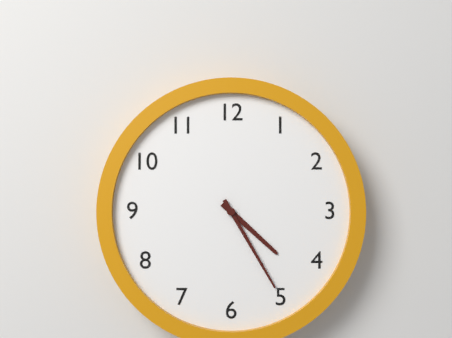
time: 4:25
